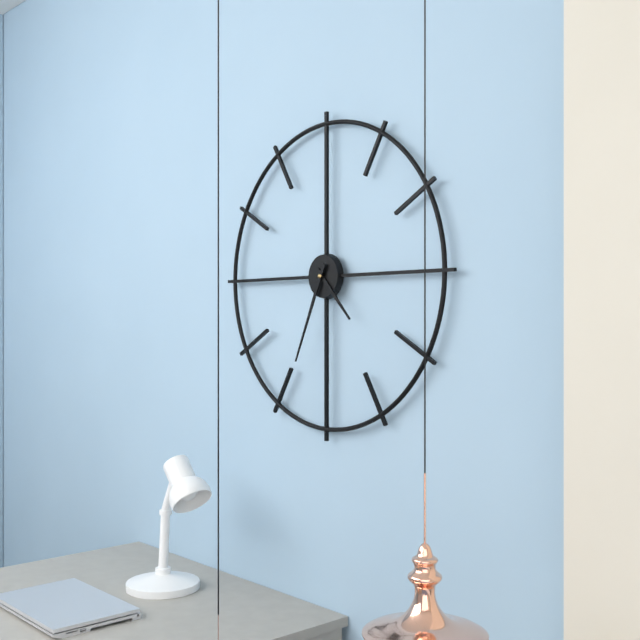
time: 4:34
